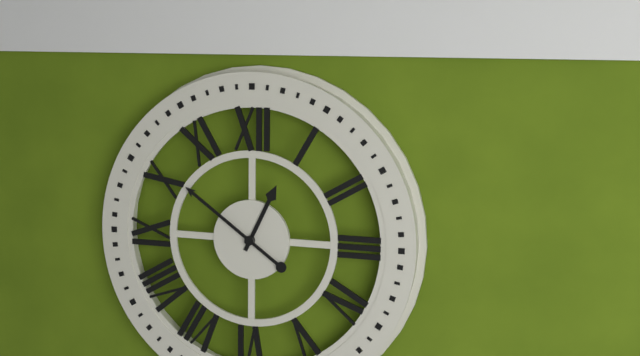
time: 12:51
